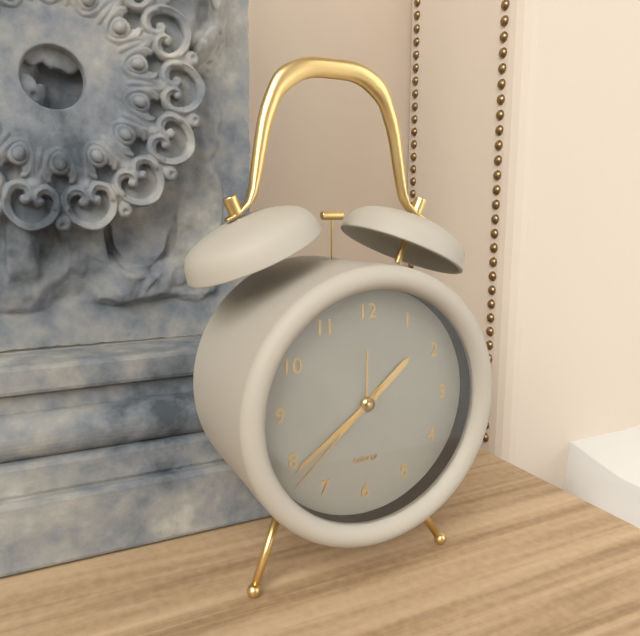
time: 1:39:38
